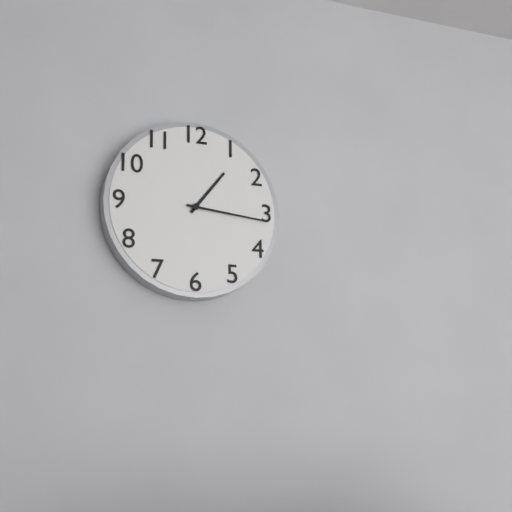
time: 1:16
